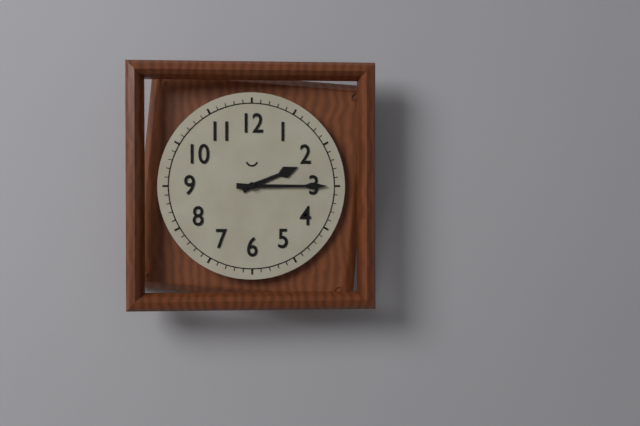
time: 2:15
